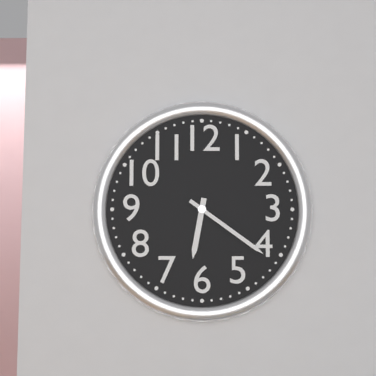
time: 6:21
